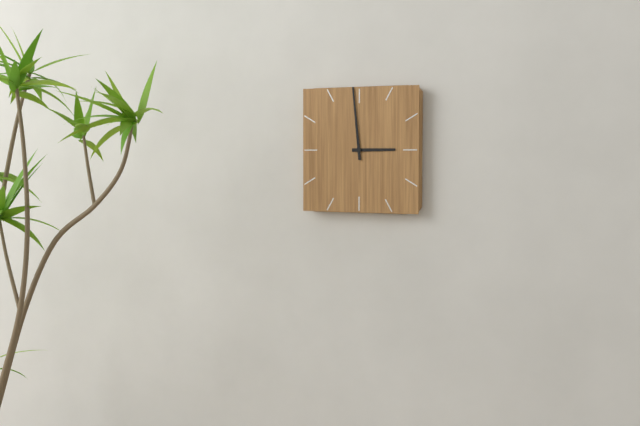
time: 2:59
